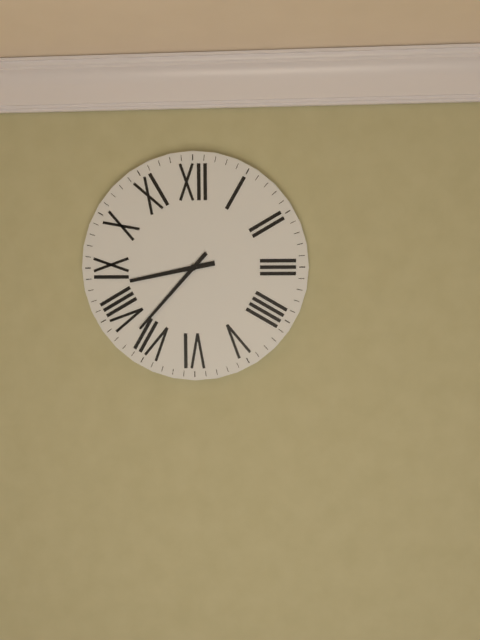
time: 8:37
